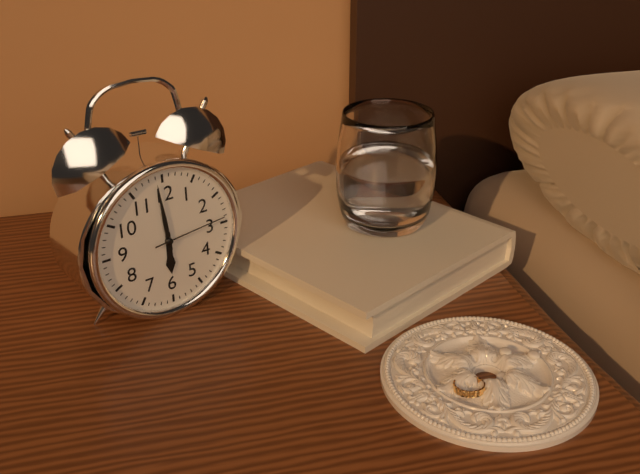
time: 5:59:14
